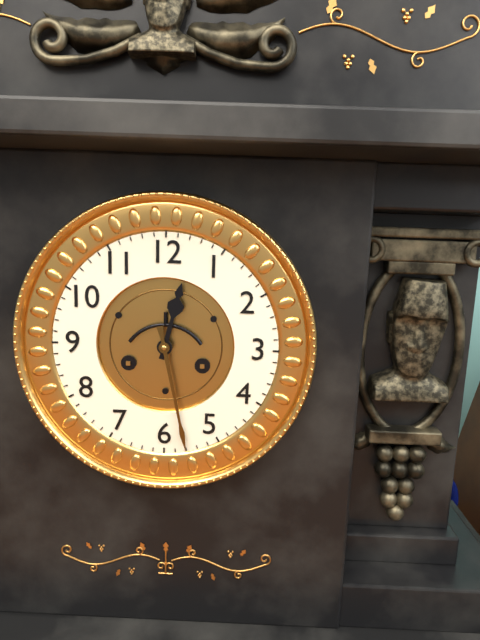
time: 12:28
